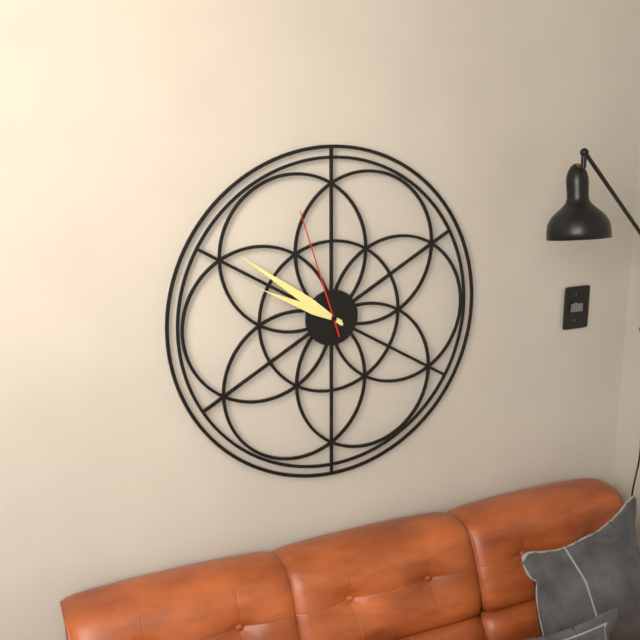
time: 9:51:57
